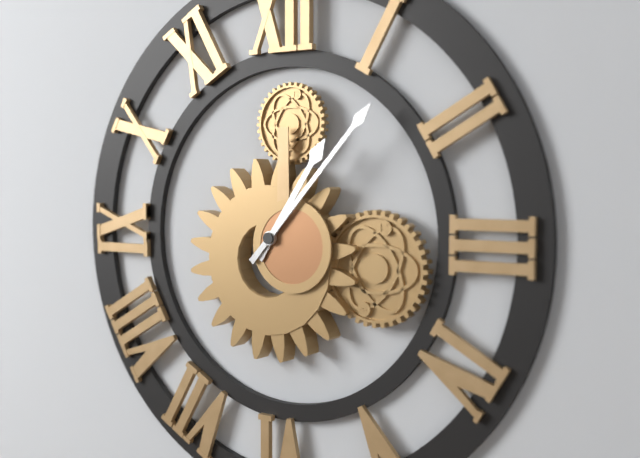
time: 1:07
